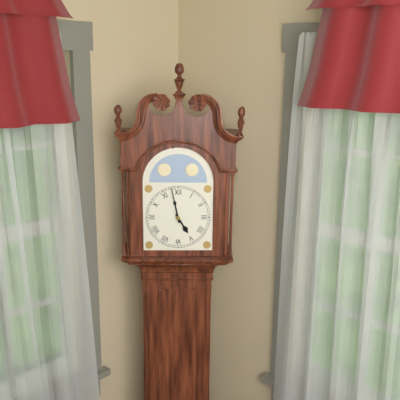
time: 4:58
